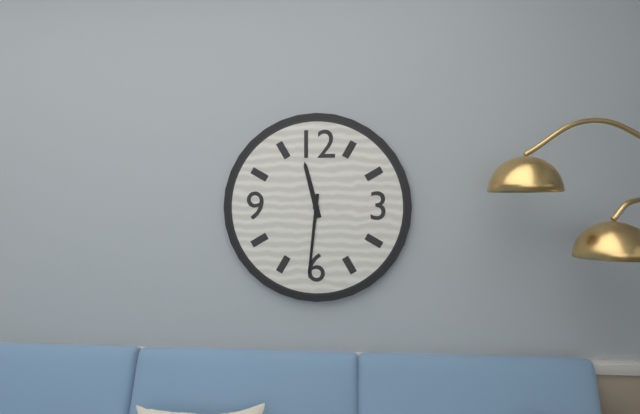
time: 11:31
